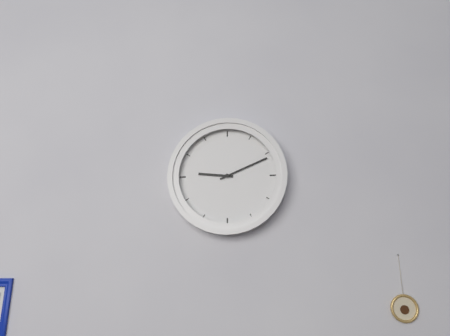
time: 9:11
